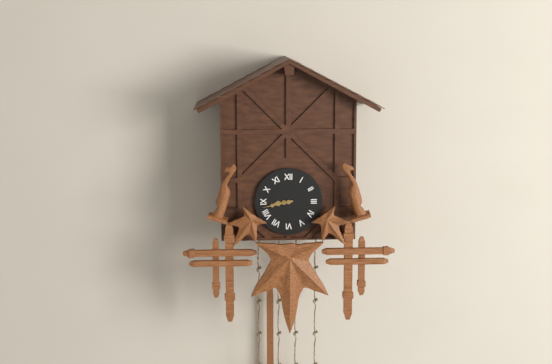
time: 8:43
